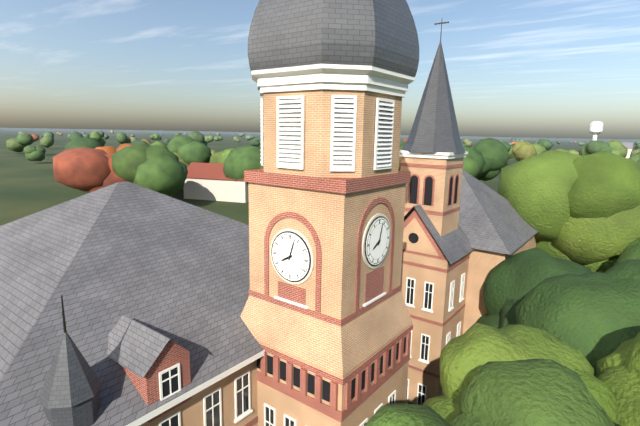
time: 8:03
